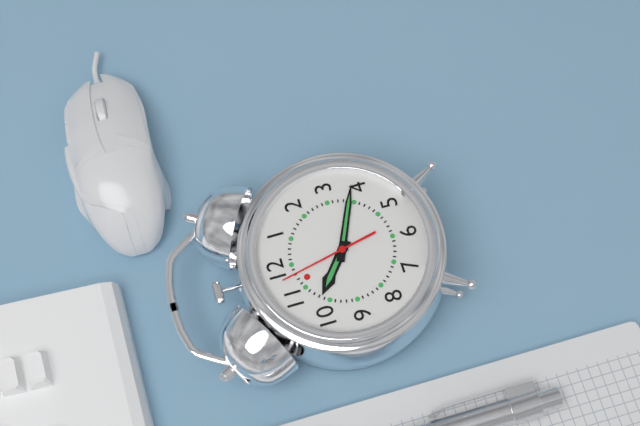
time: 10:19:58
